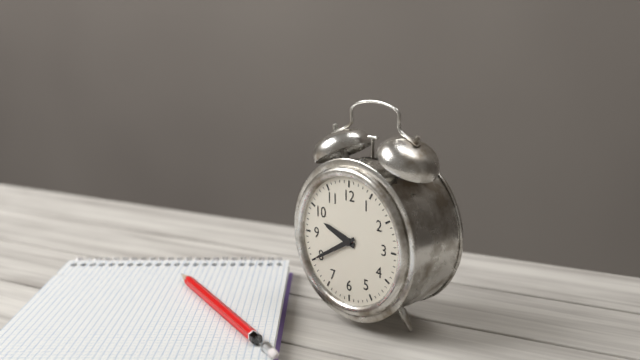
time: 9:40
